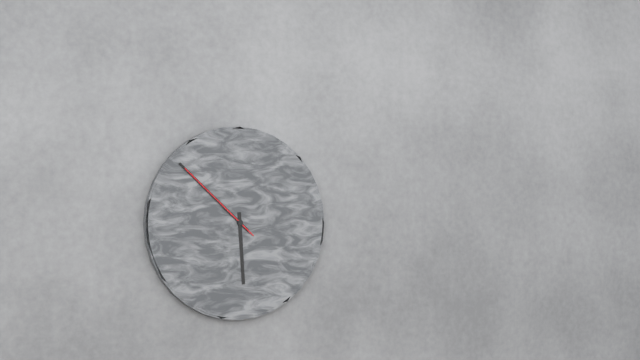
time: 5:52:52
